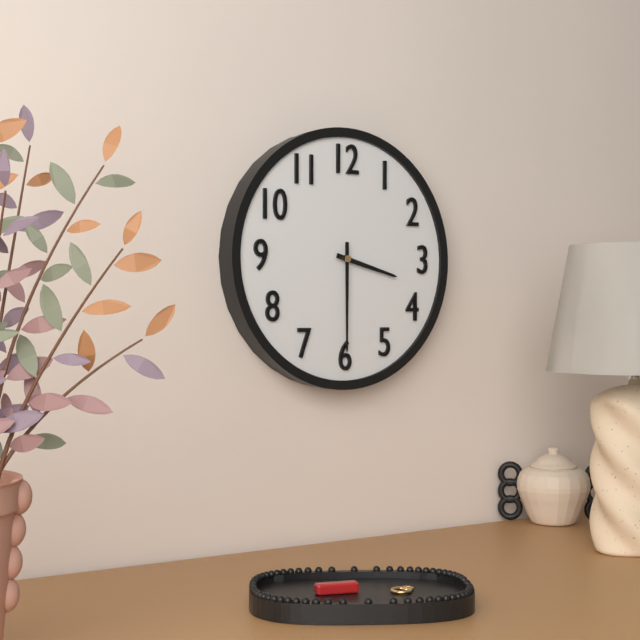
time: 3:30
